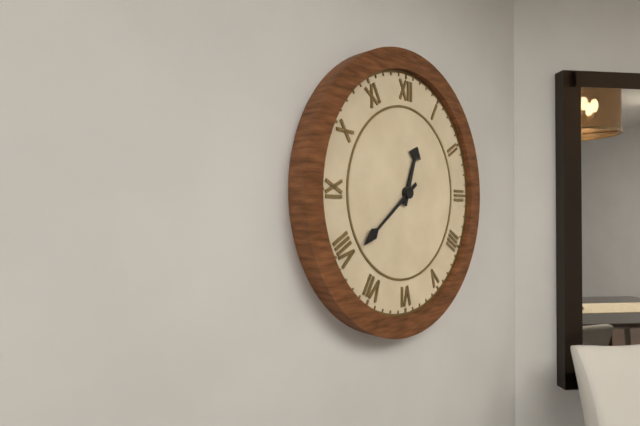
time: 12:39
